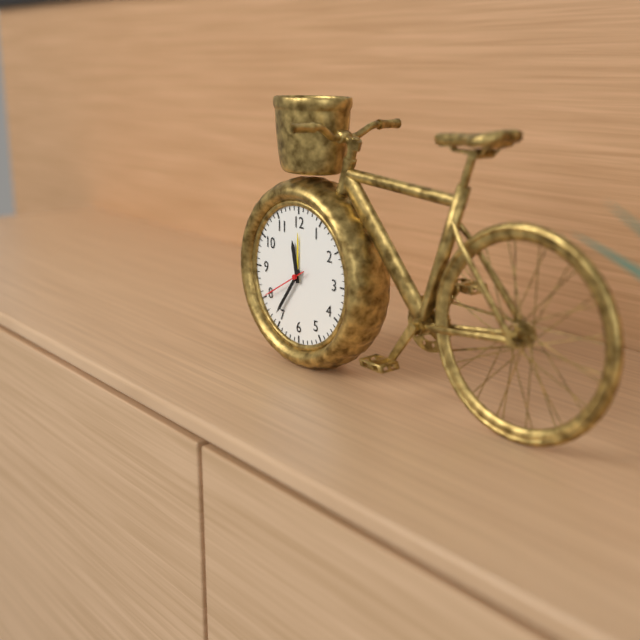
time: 11:36
